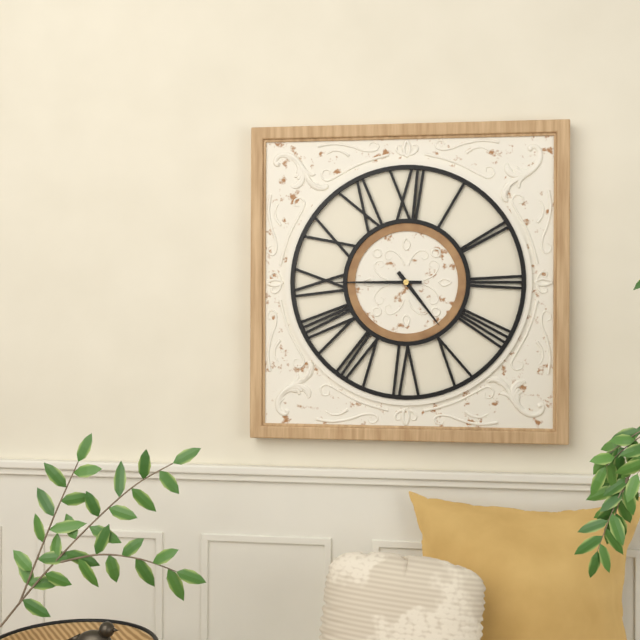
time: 4:45
